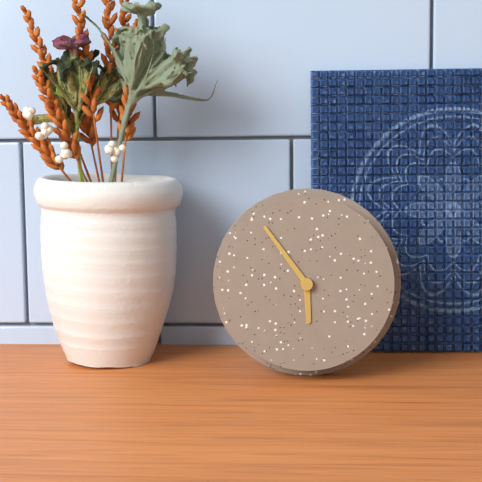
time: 5:54
